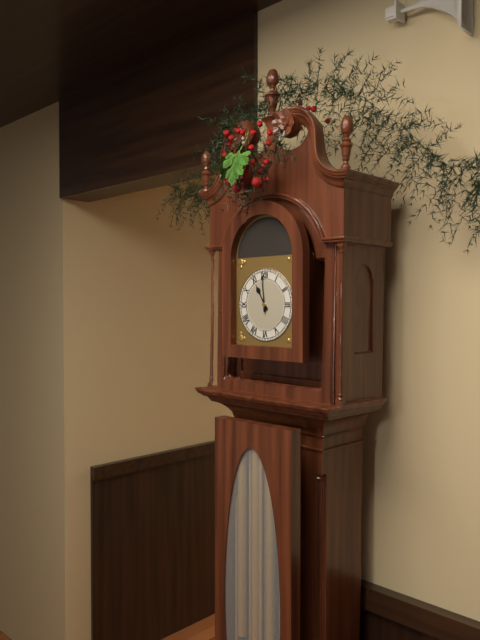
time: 10:59
